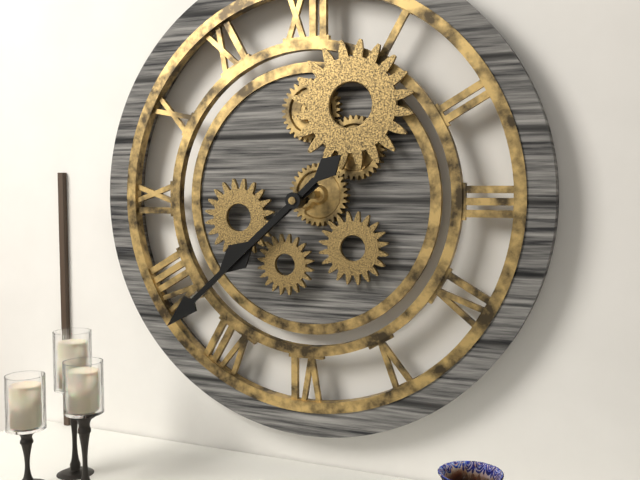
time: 7:38
